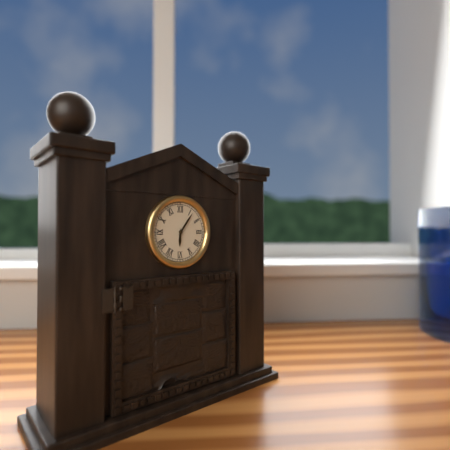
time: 6:06
